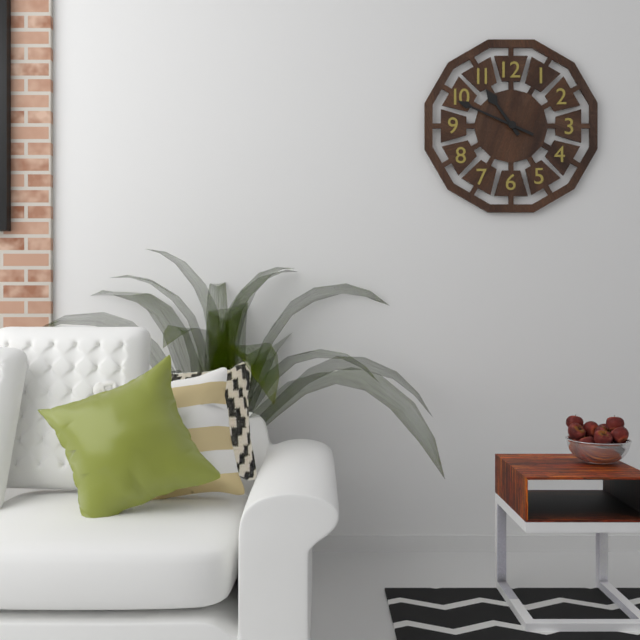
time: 10:49
